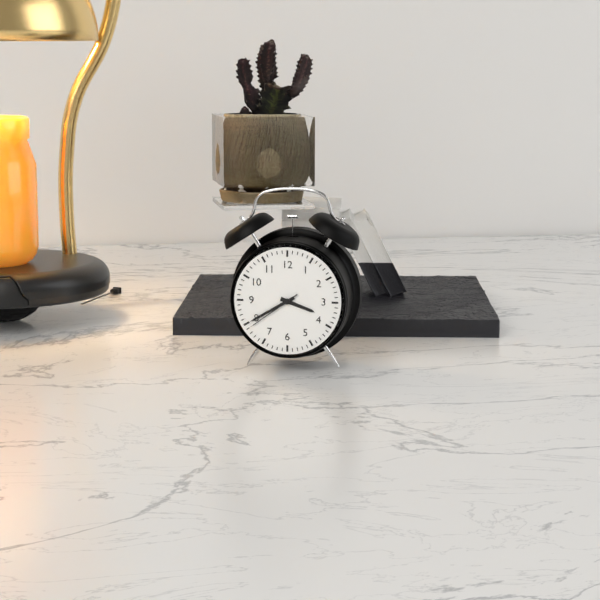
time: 3:40:39
